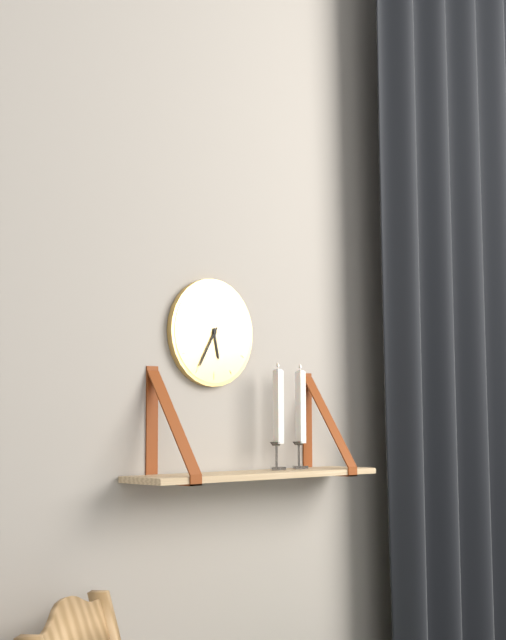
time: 5:35
